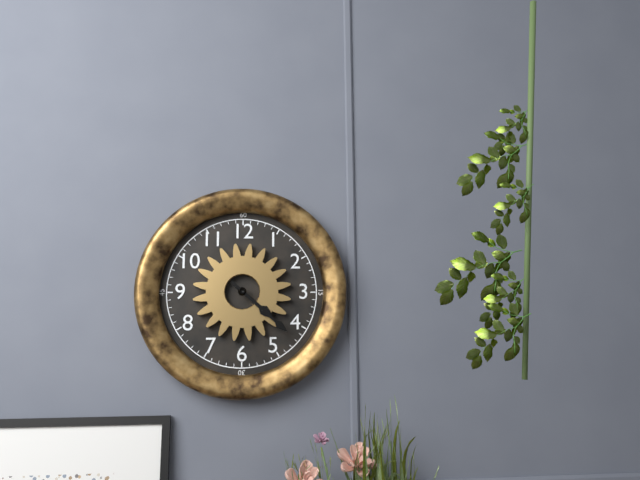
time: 4:22
